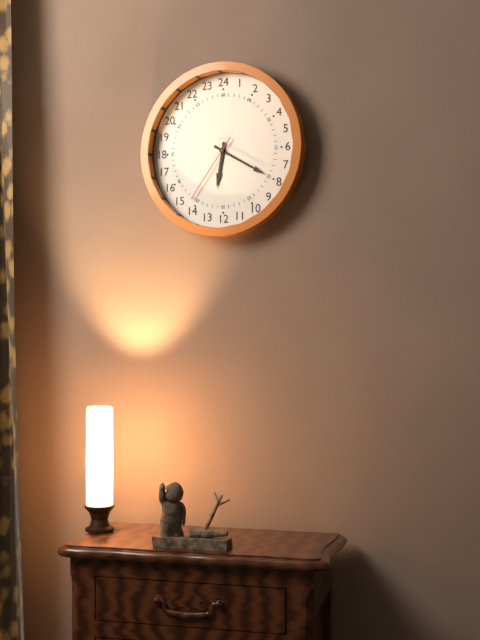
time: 6:20:36
